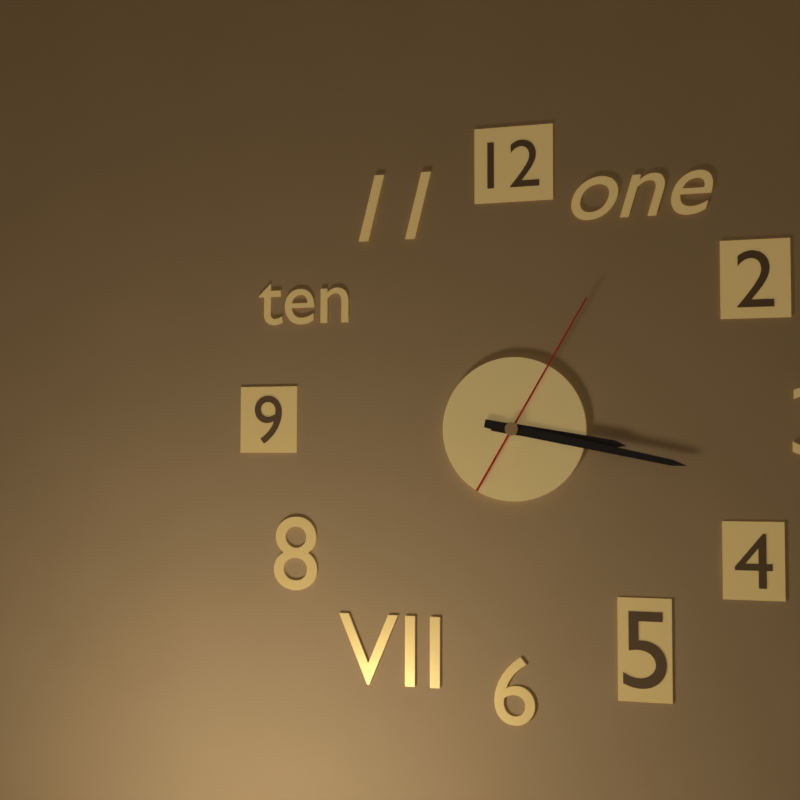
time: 3:17:05
